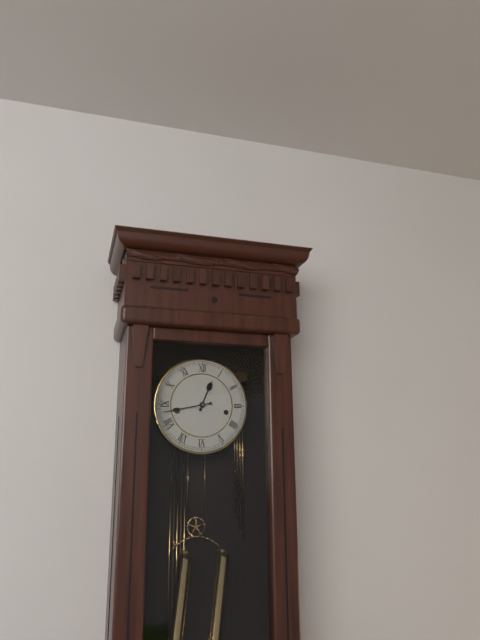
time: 12:43
